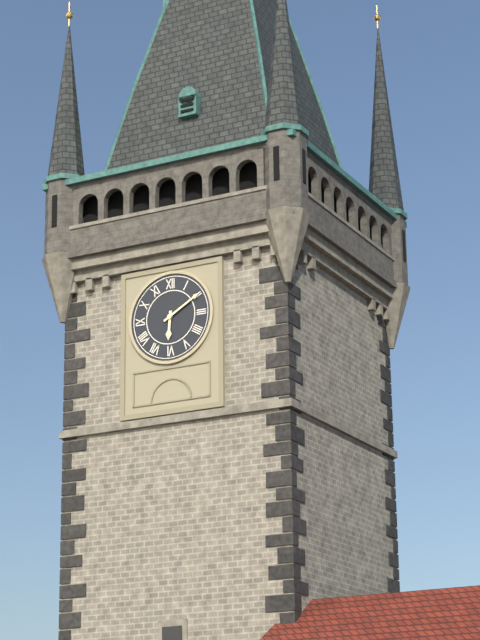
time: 6:10
